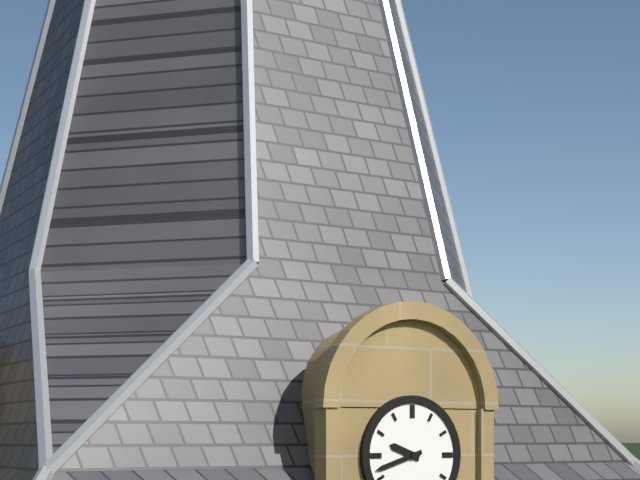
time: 9:42
